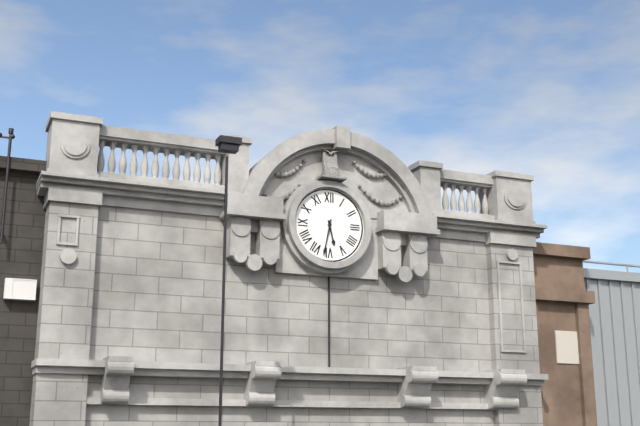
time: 5:32
